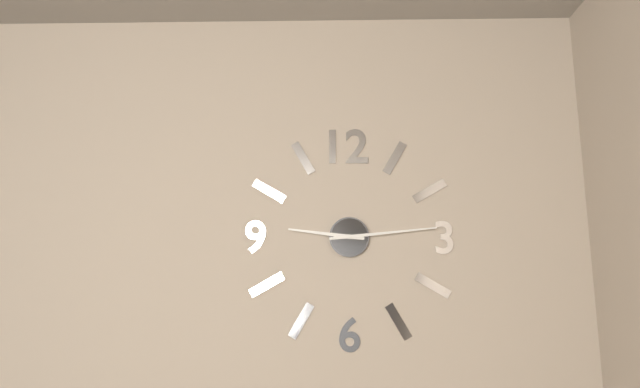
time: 9:14
